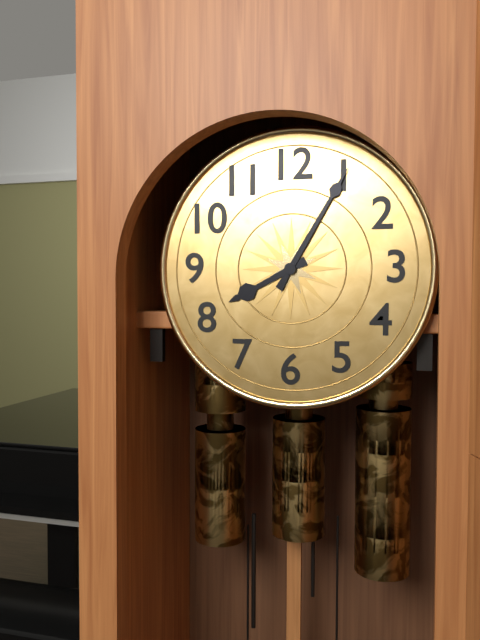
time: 8:05
